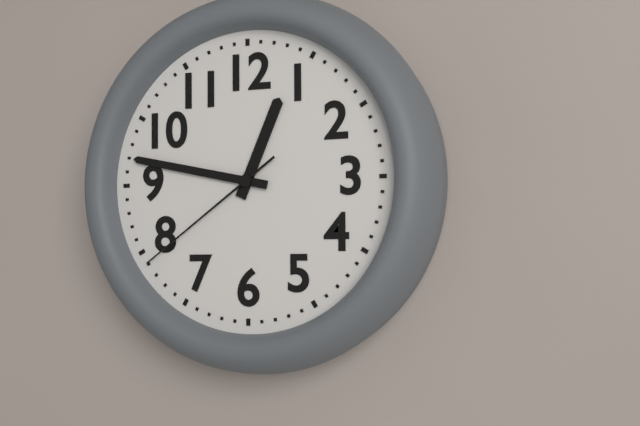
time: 12:47:39
